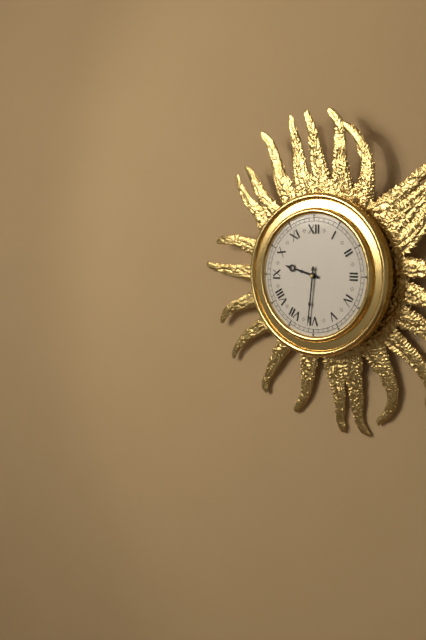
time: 9:31
